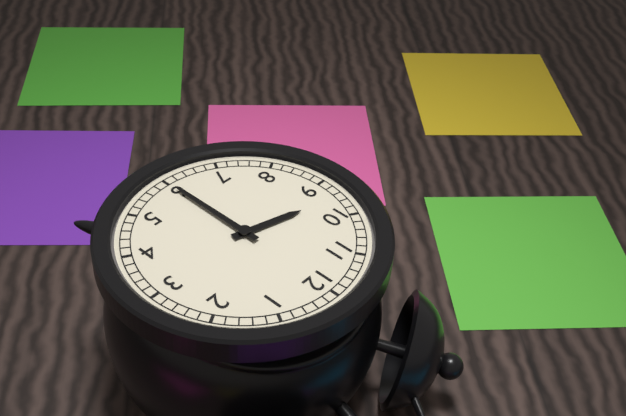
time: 9:30
